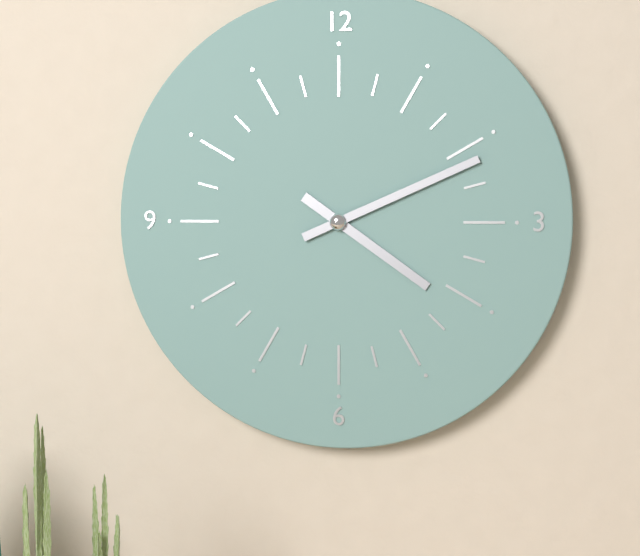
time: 4:11
